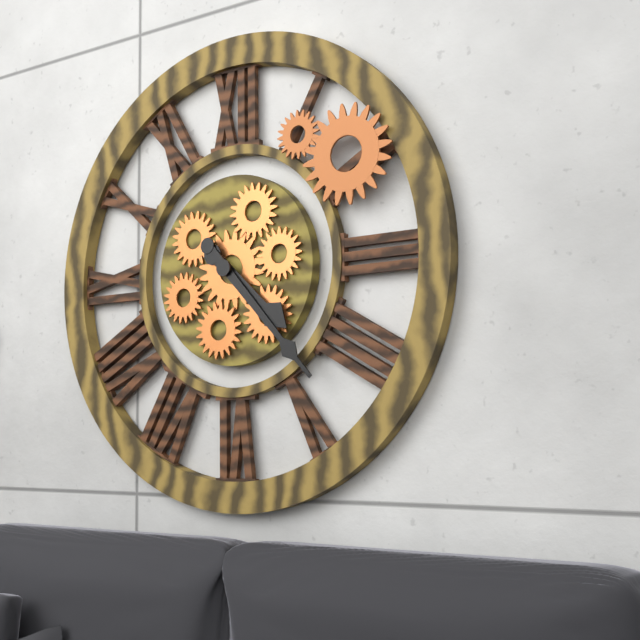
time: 4:23
